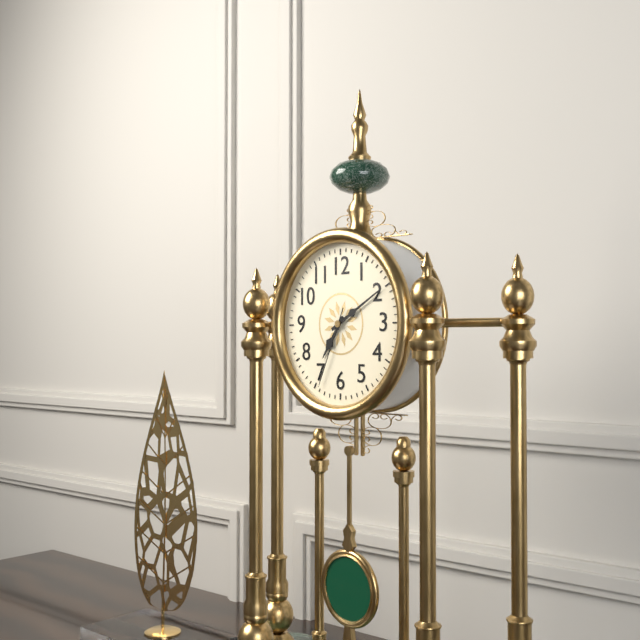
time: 7:10:34
